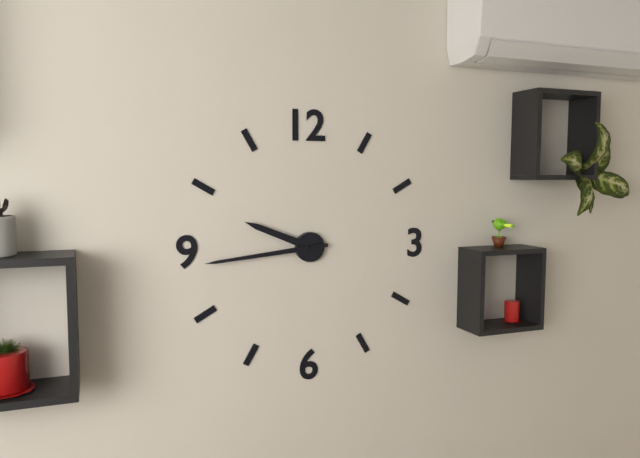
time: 9:44
